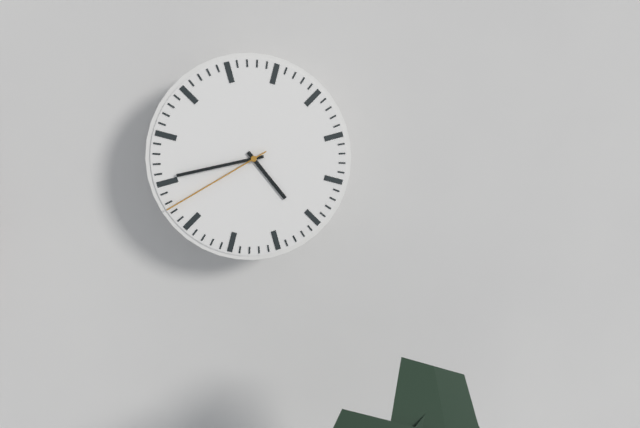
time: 4:43:40
